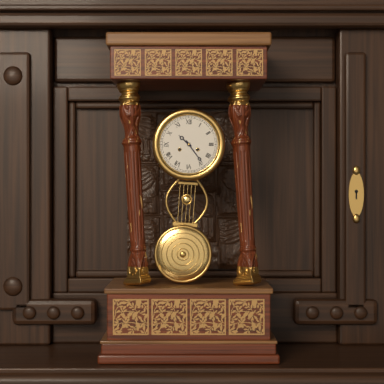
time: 10:24
